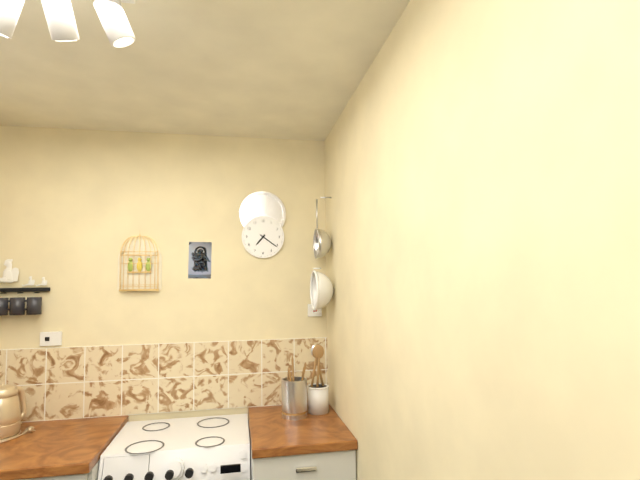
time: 7:21
